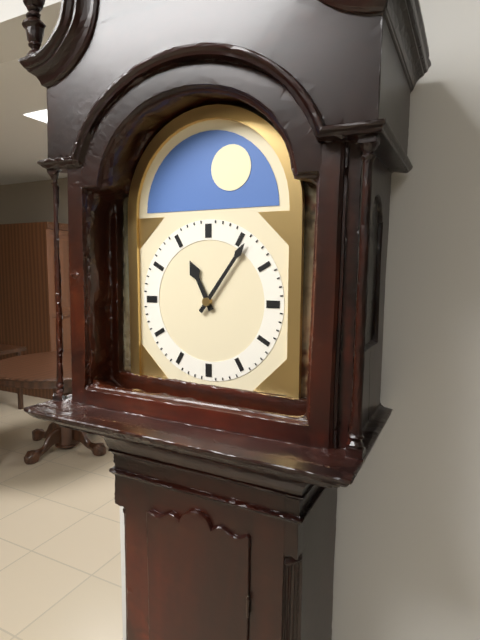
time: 11:06
